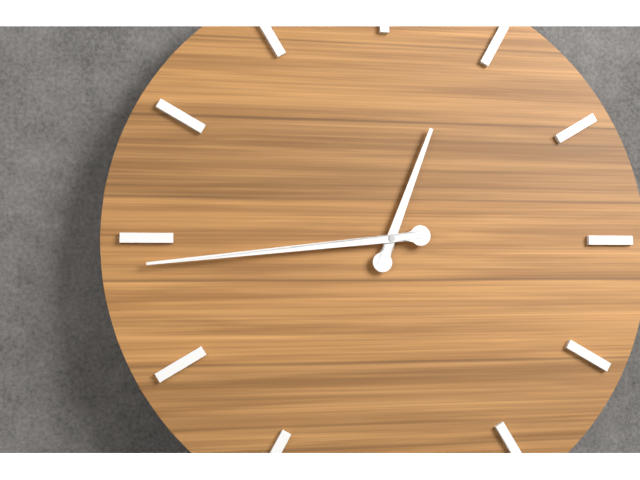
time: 12:44
